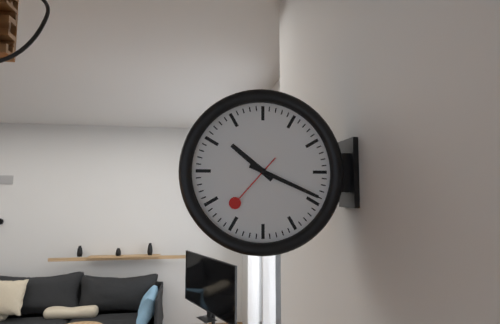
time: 10:19:37
